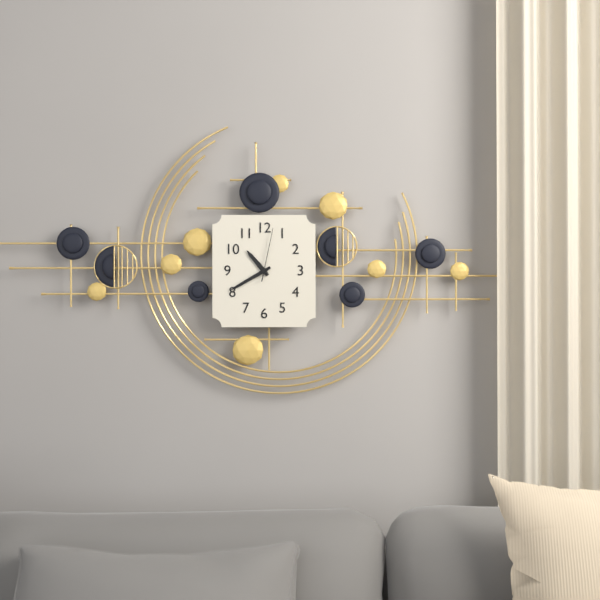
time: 10:40:02
